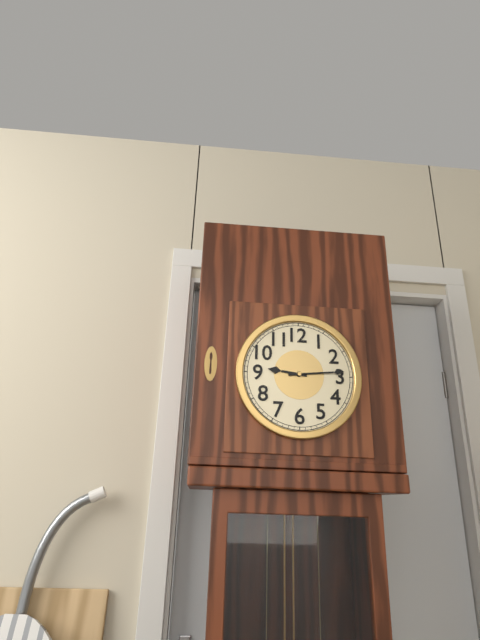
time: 9:14
